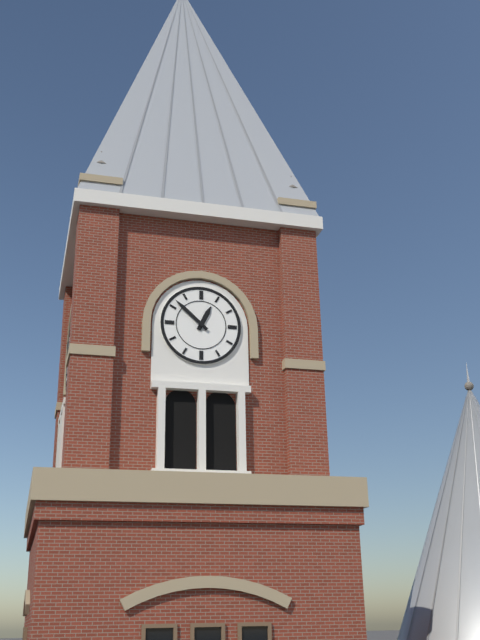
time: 12:52
